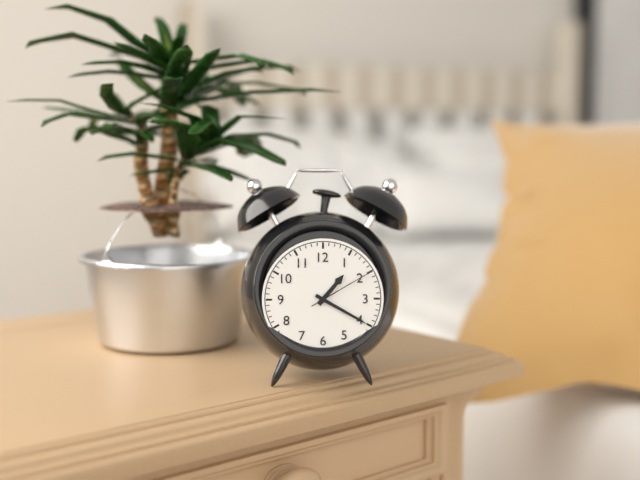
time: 1:20:10
